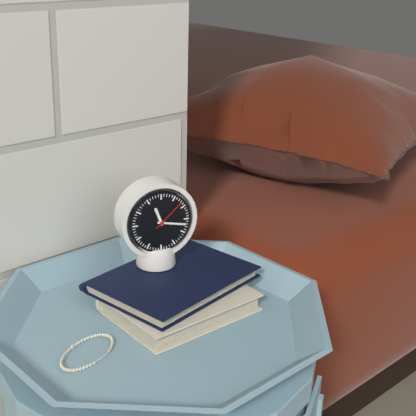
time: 11:17
